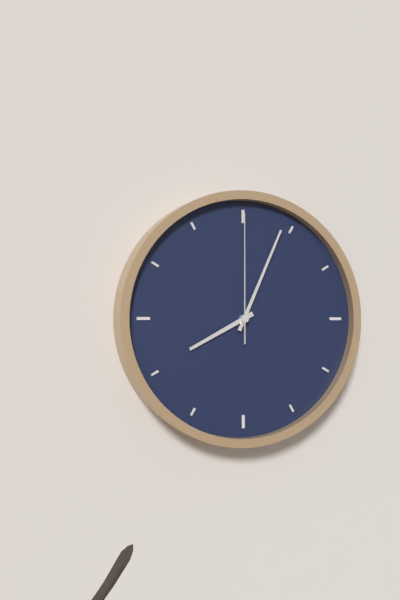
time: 8:04:00
